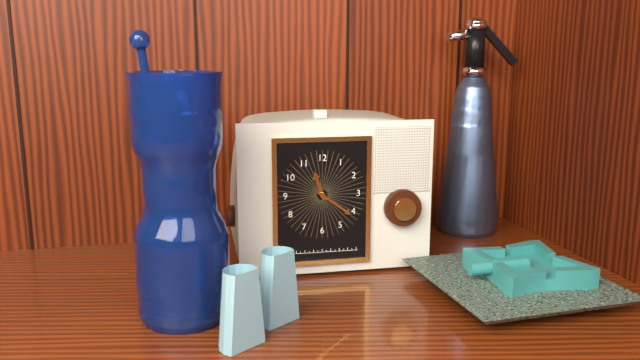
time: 11:21
